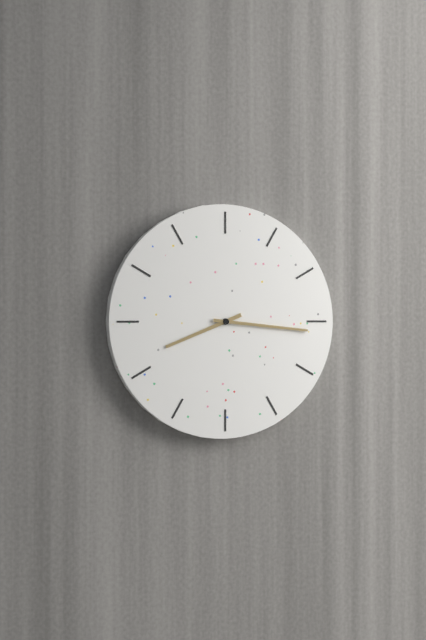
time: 8:16
